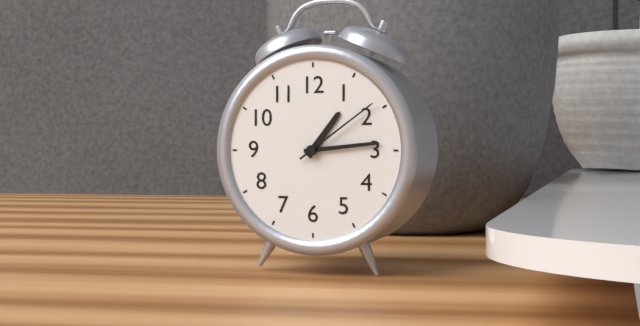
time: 1:14:09
